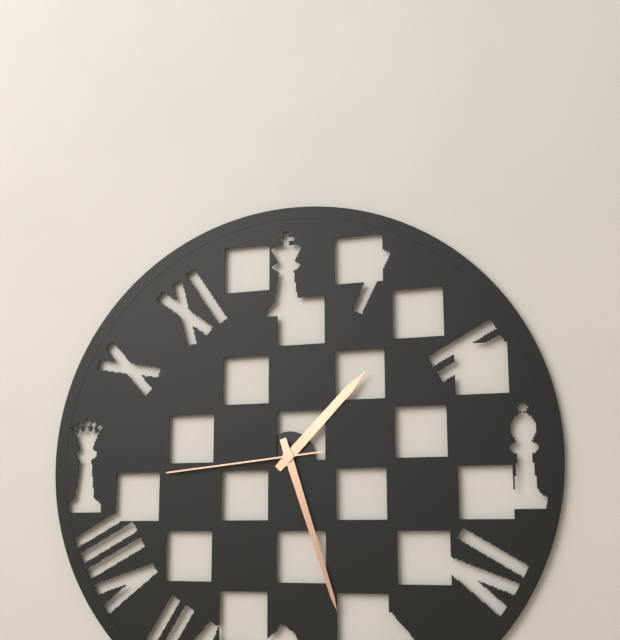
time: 1:27:44
